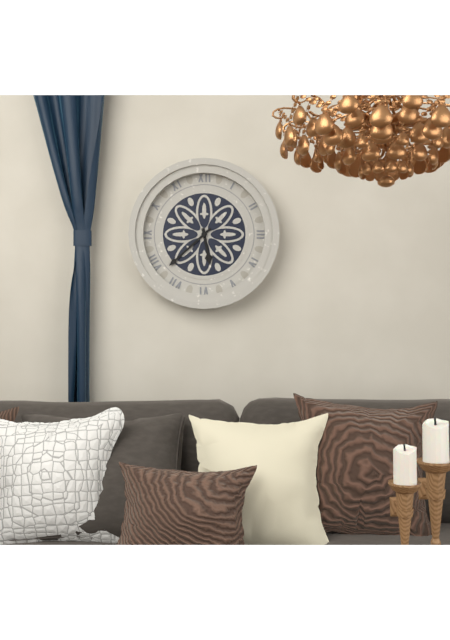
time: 5:38
